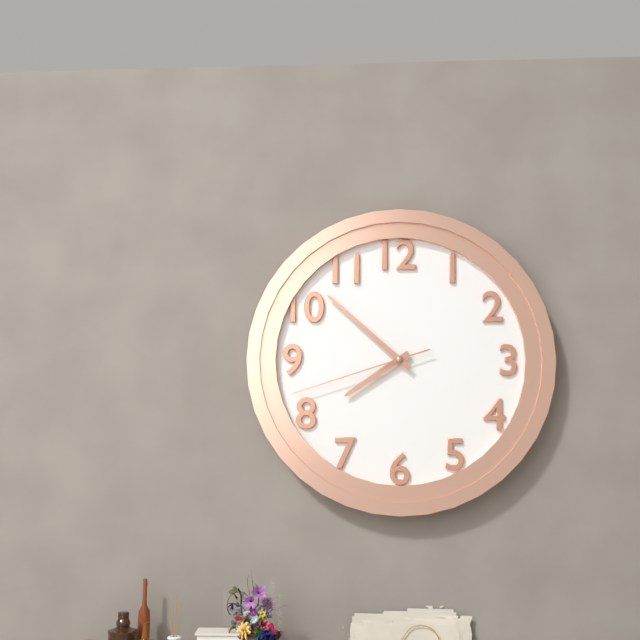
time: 7:52:42
